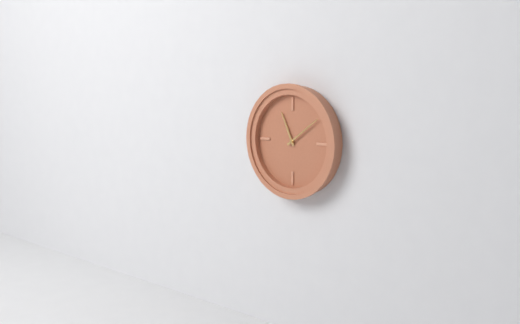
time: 11:09
